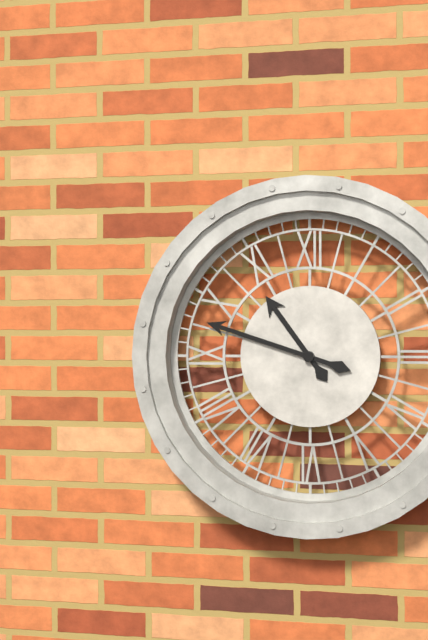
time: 10:48
